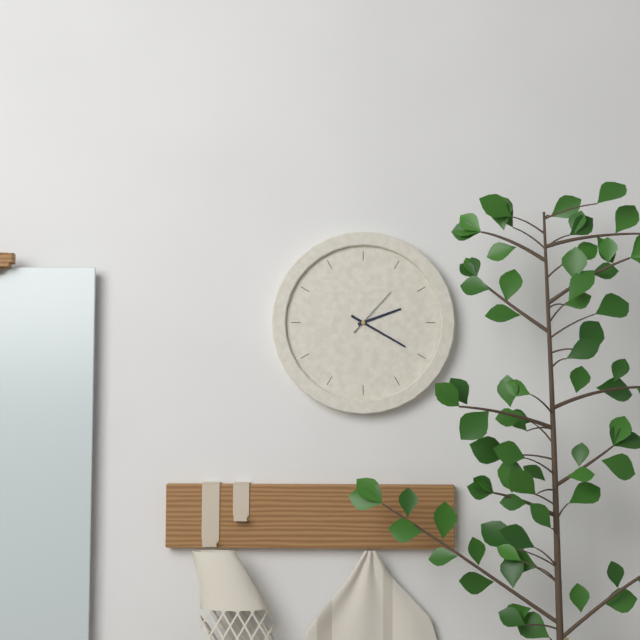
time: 2:20:07
